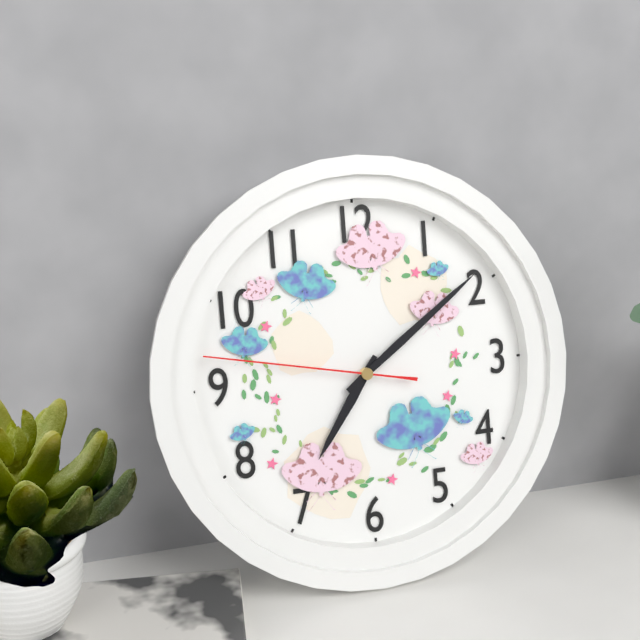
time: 7:09:47
